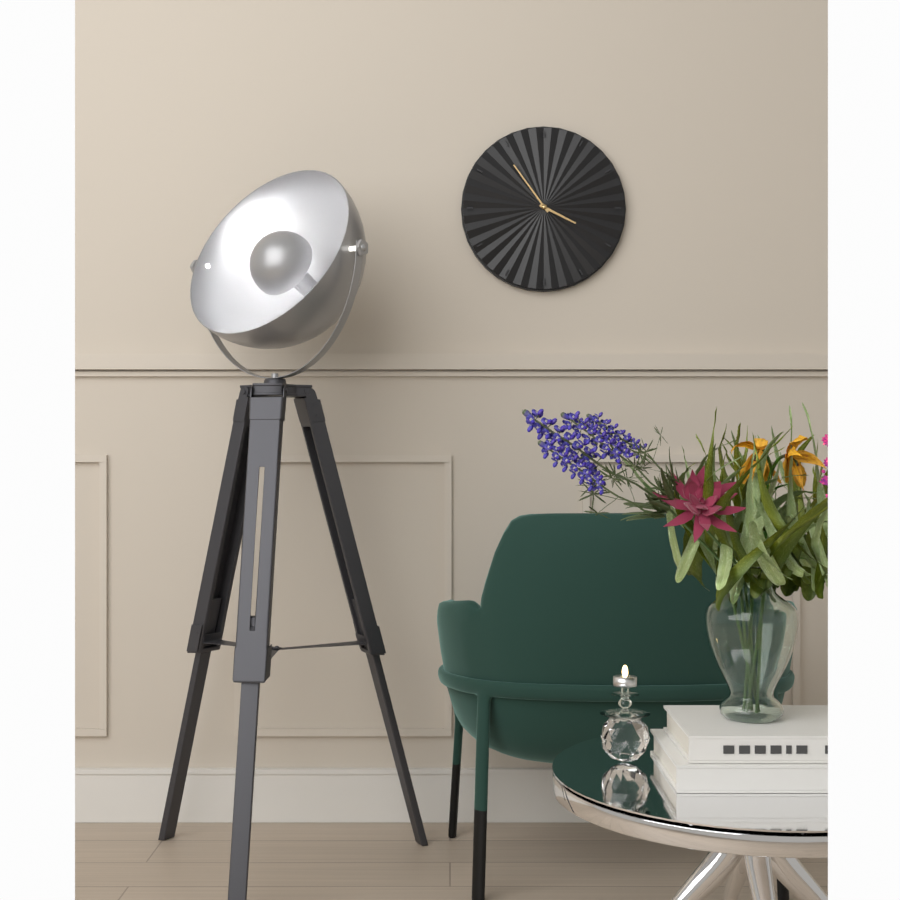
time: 3:54
